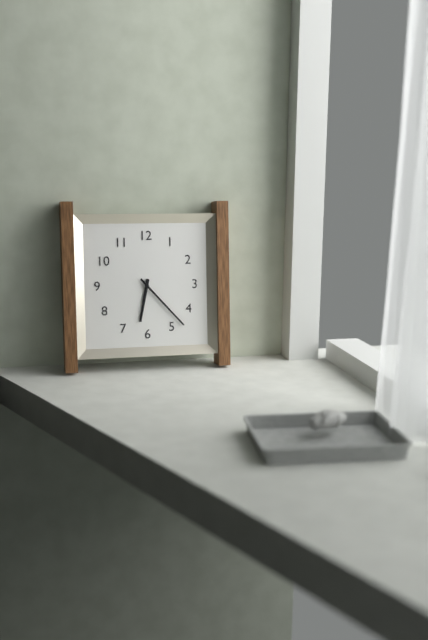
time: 6:23
